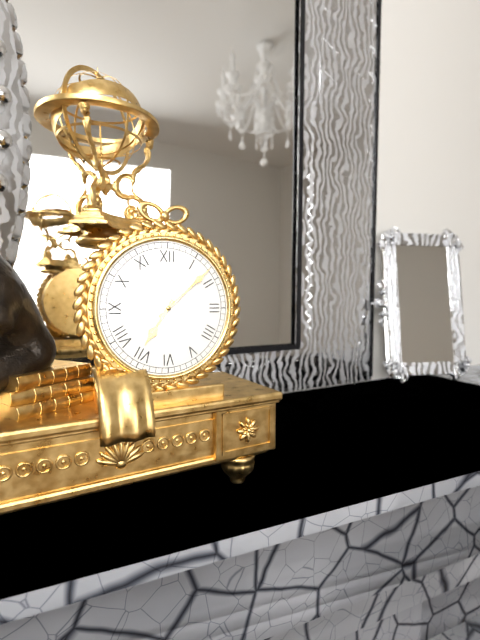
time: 7:08
